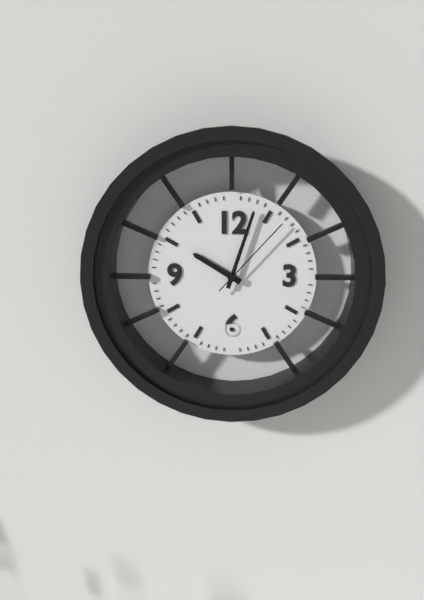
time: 10:03:07
